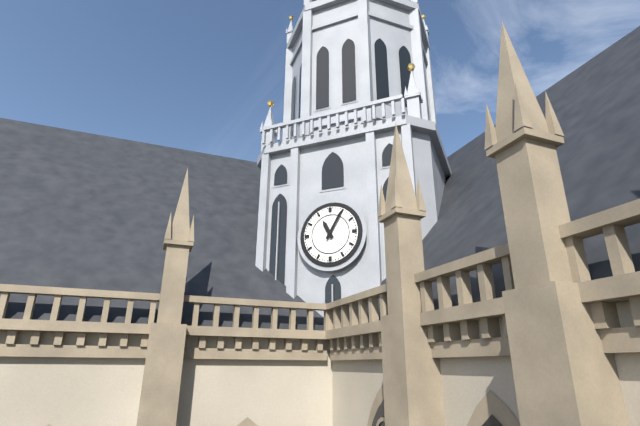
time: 11:05
